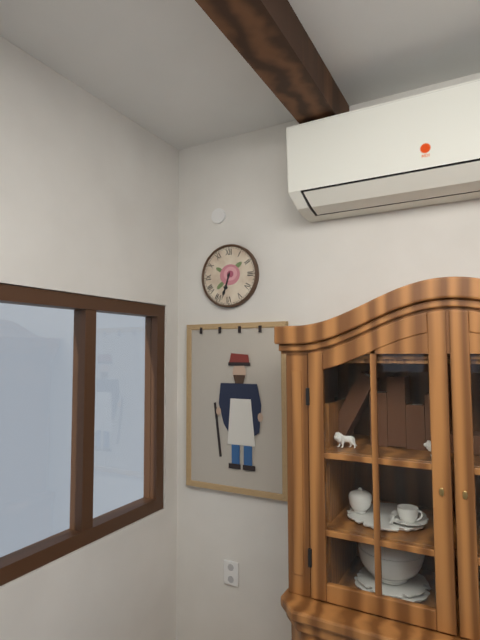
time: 6:33
